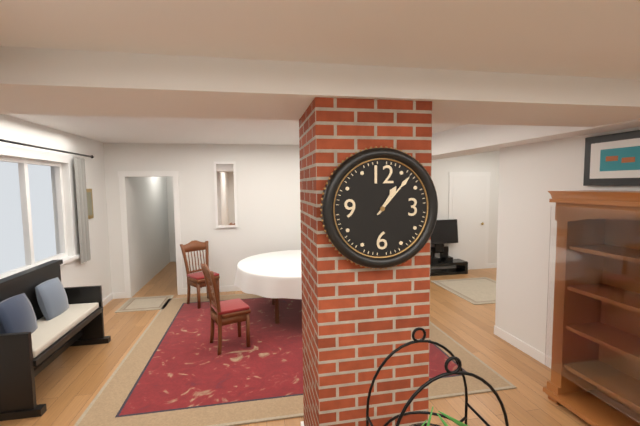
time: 1:07
